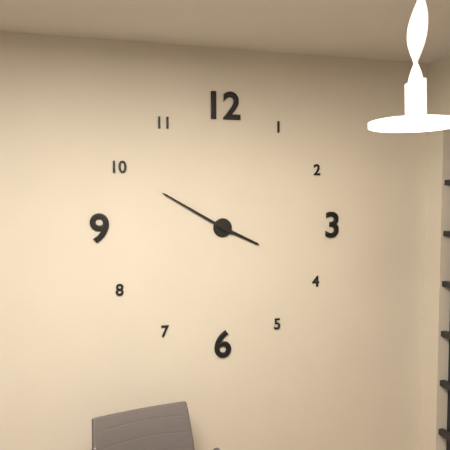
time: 3:50
